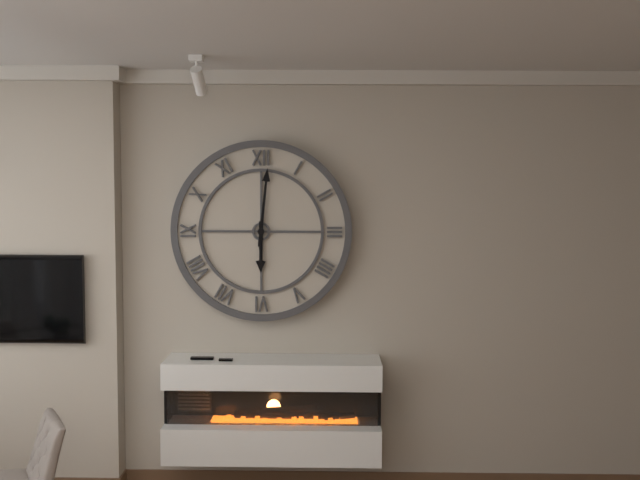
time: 6:01
